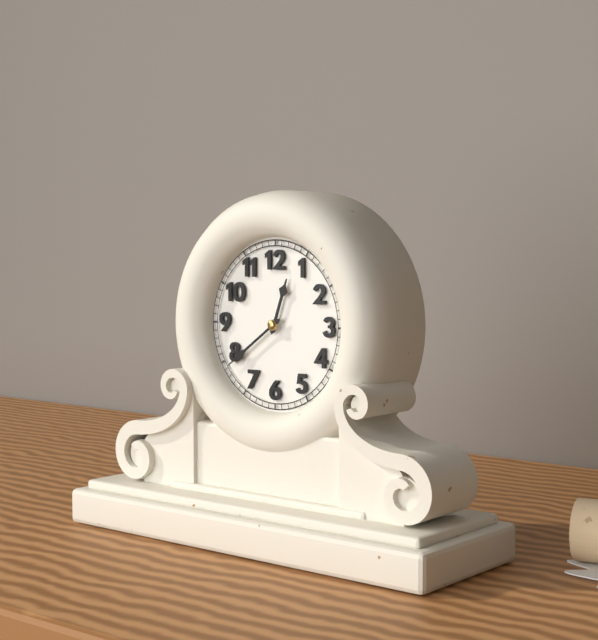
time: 12:39
